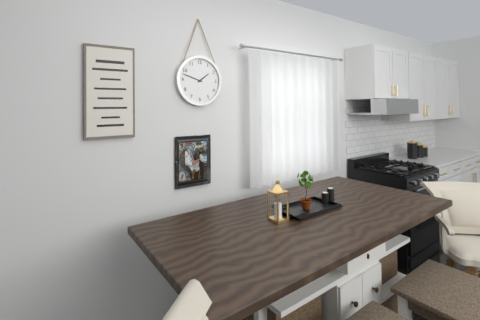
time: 1:48
